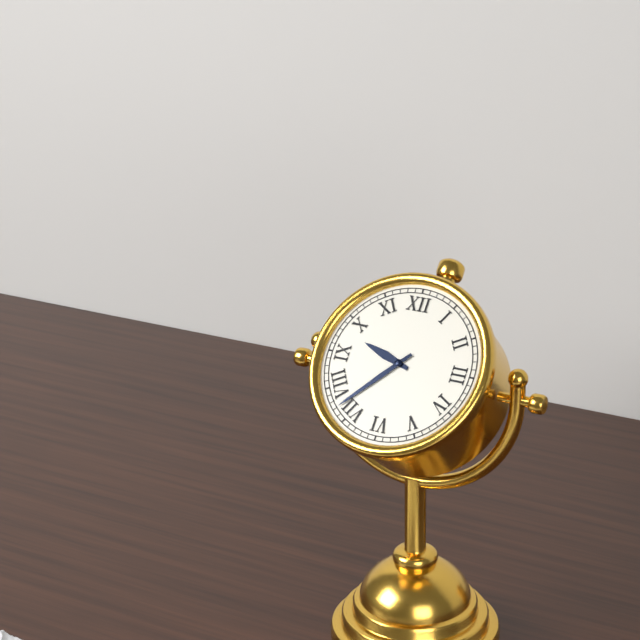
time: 9:37
